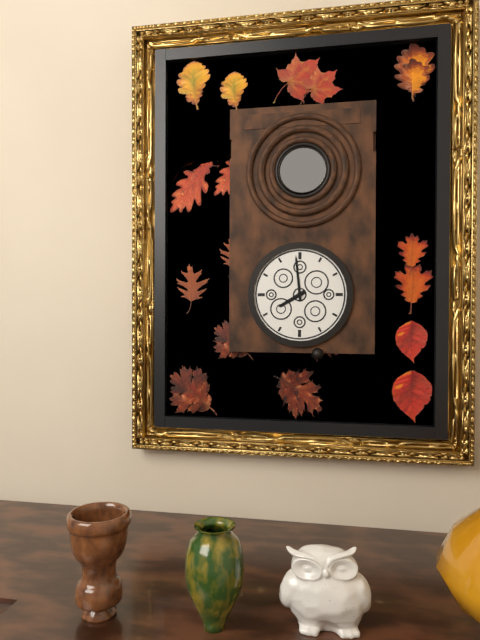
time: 7:59
